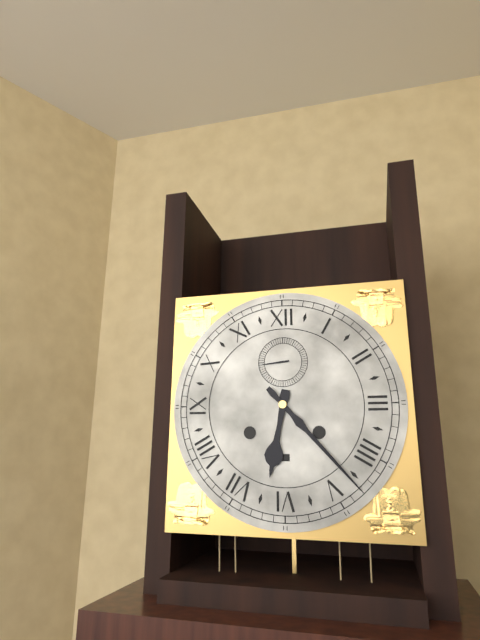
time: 6:23
